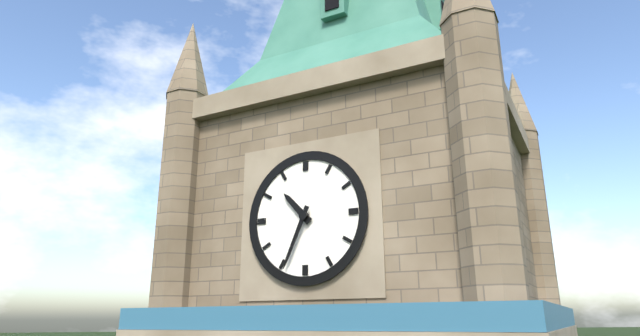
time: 10:34
